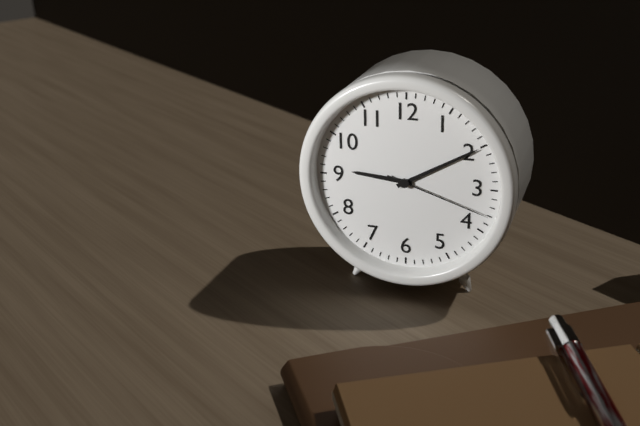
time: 9:10:18
